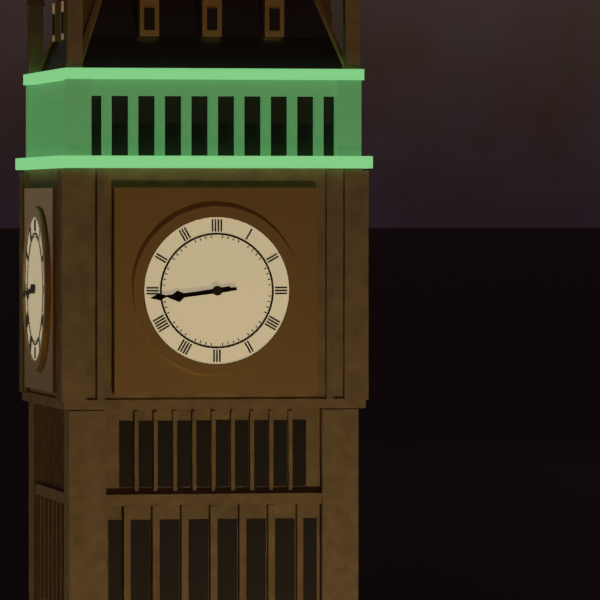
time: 8:44
